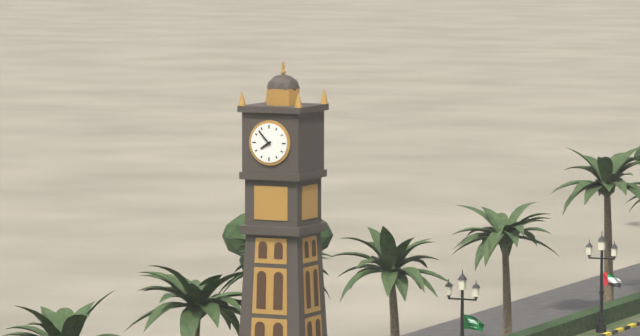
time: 7:53
